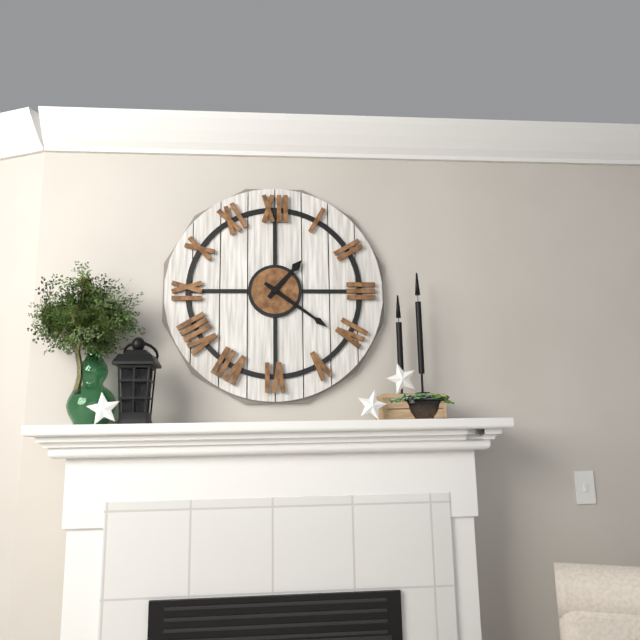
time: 1:21
